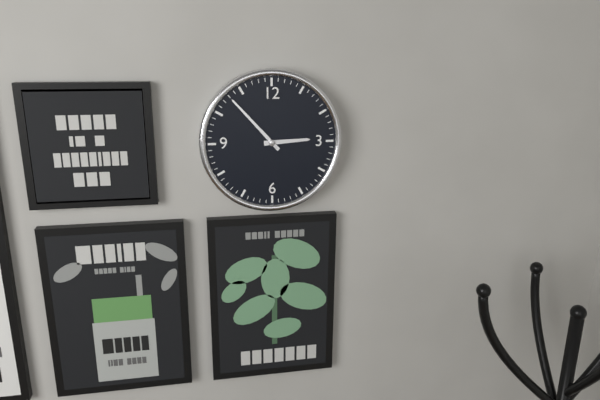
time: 2:53
